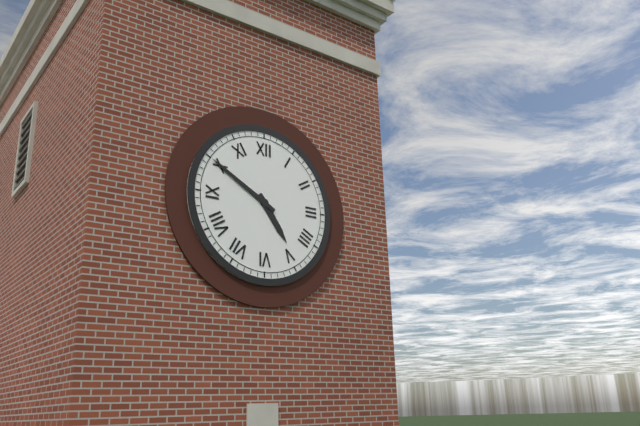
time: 4:50
